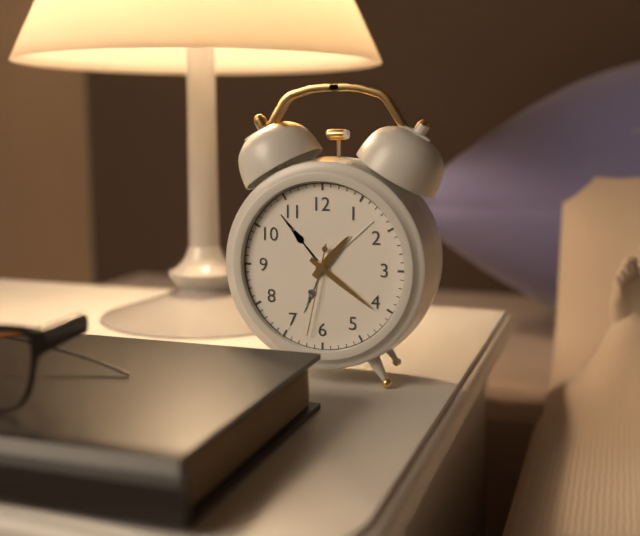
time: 1:21:32
